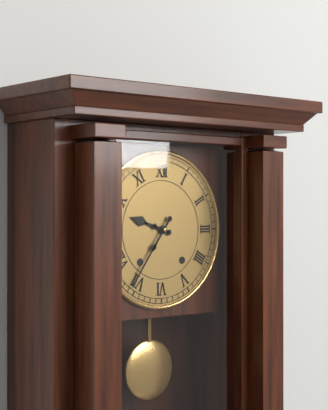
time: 9:36
